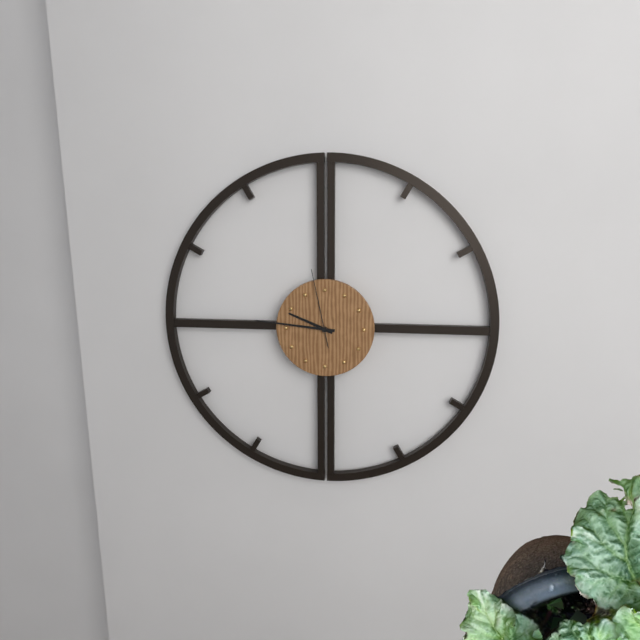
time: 9:46:58
